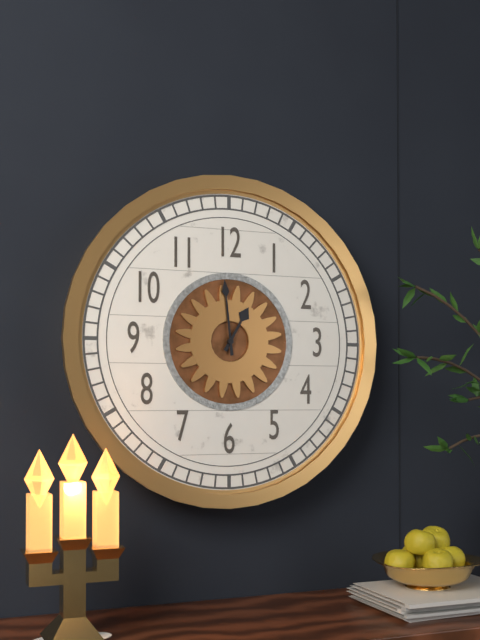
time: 12:59
